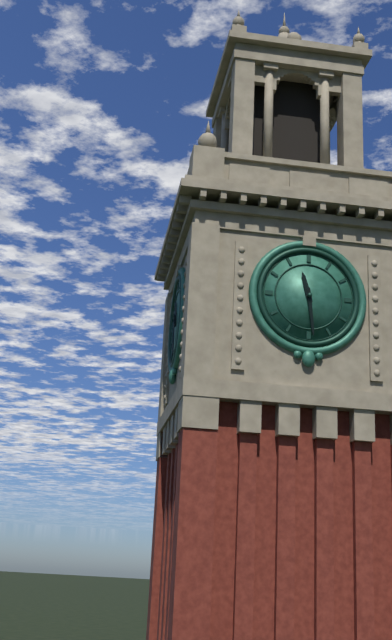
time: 11:29
